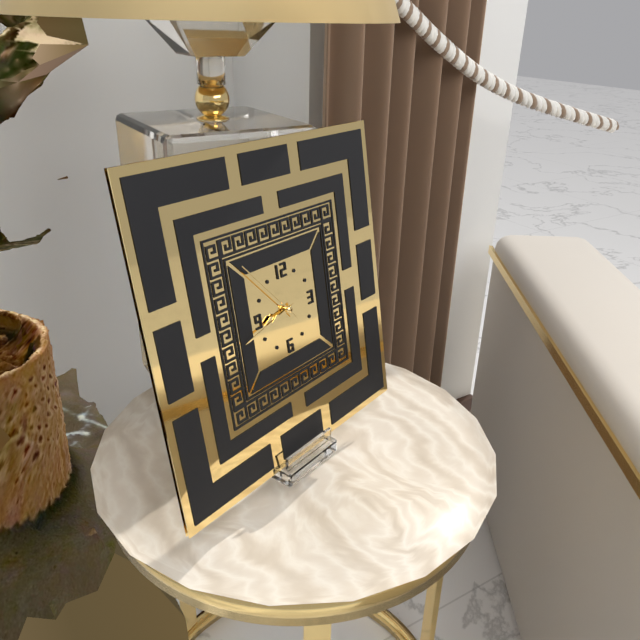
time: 8:43:53
